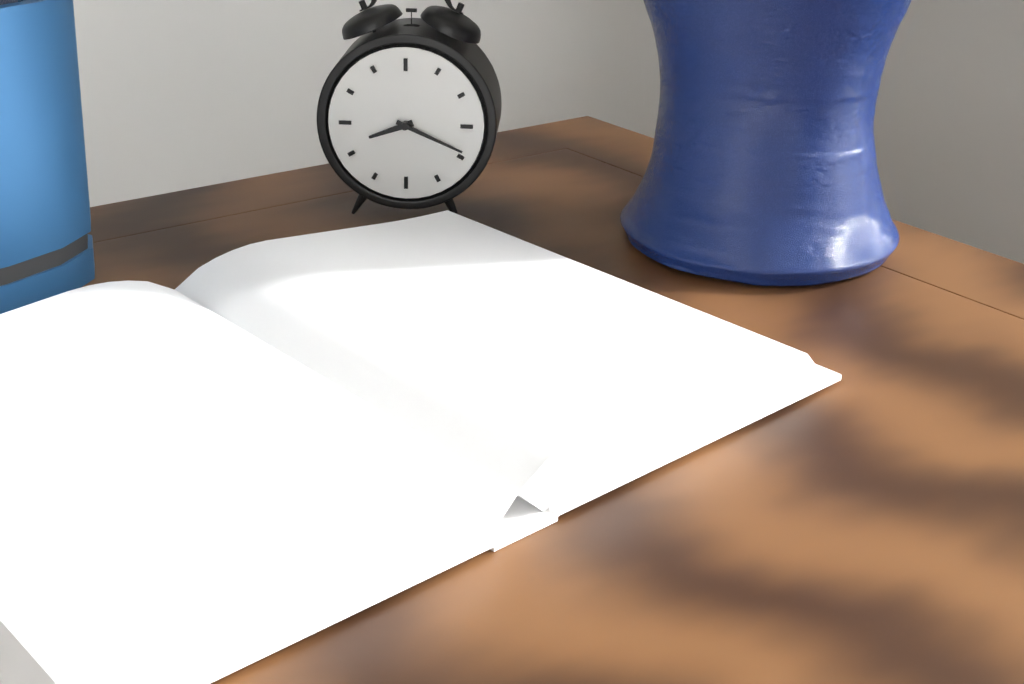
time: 8:19
